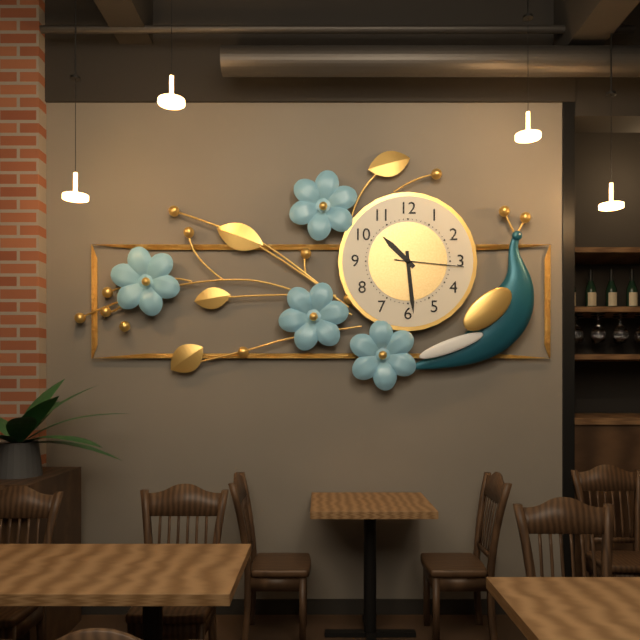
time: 10:29:16
